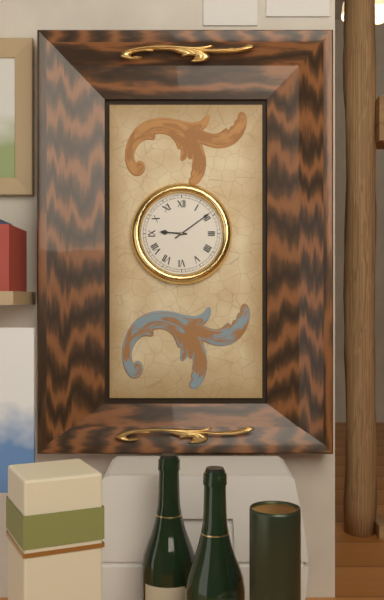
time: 9:09
